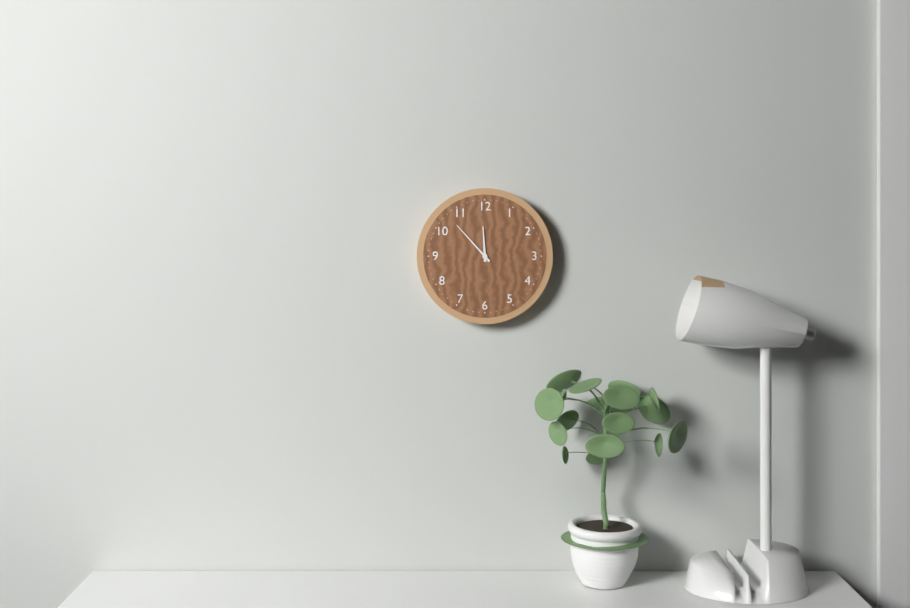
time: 11:53
